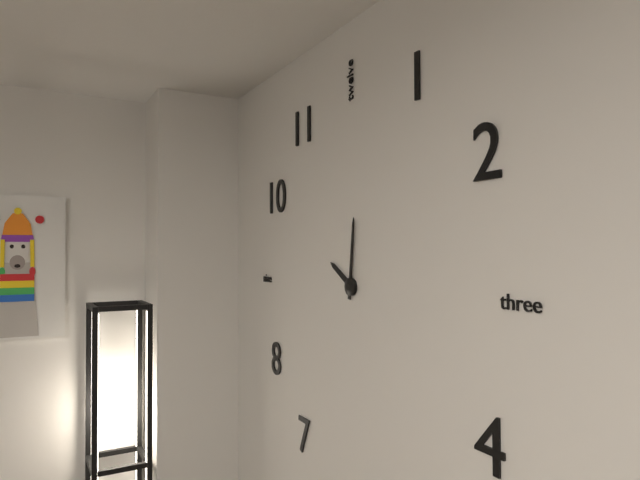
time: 10:01
